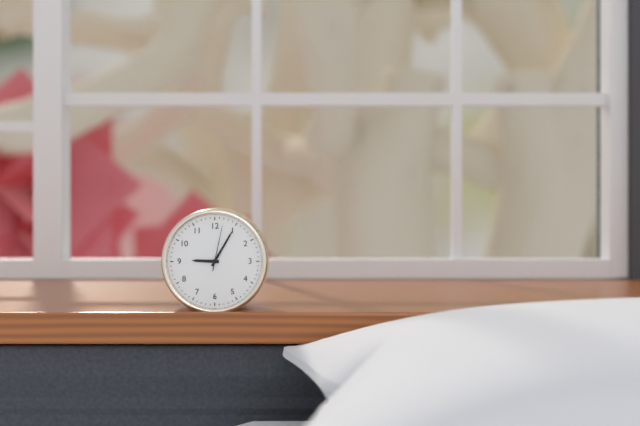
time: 9:05
